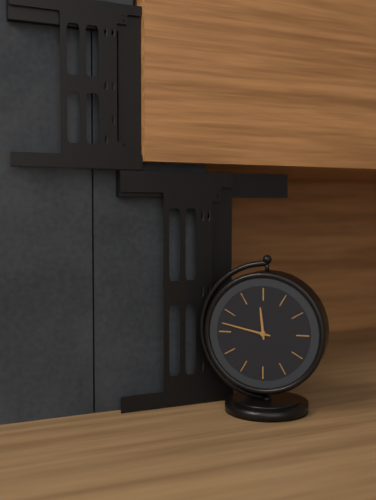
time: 11:47
